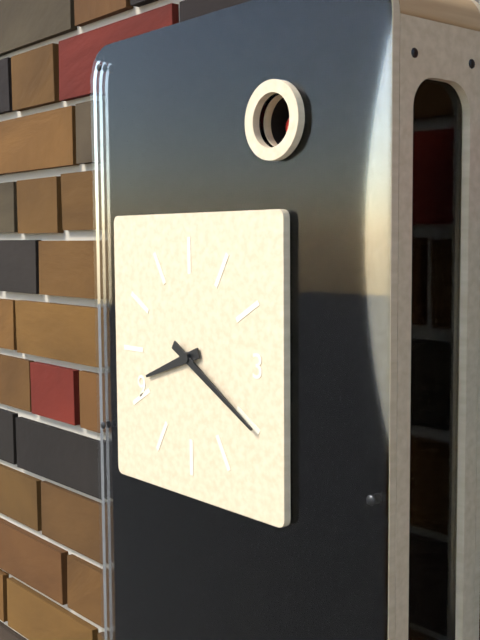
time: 8:20
